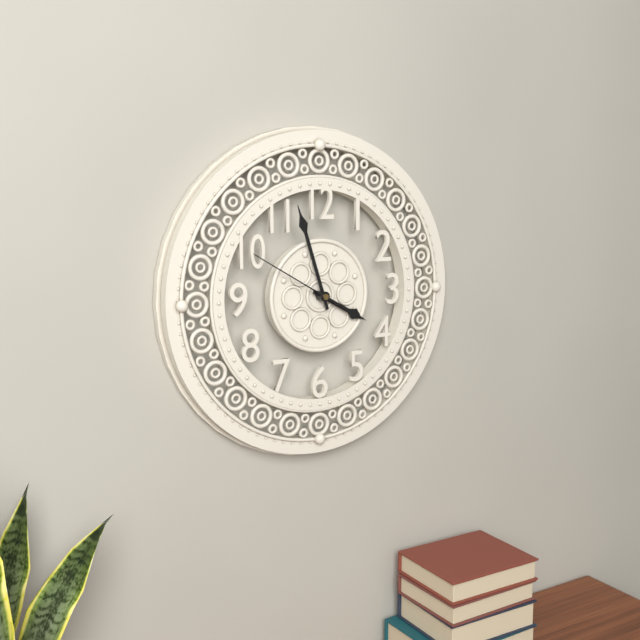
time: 3:57:50
